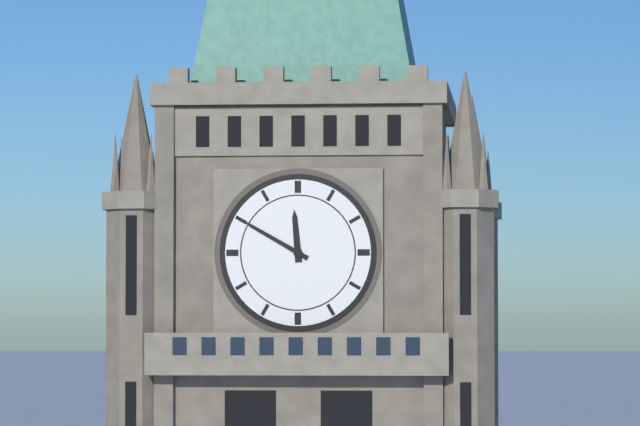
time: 11:50
